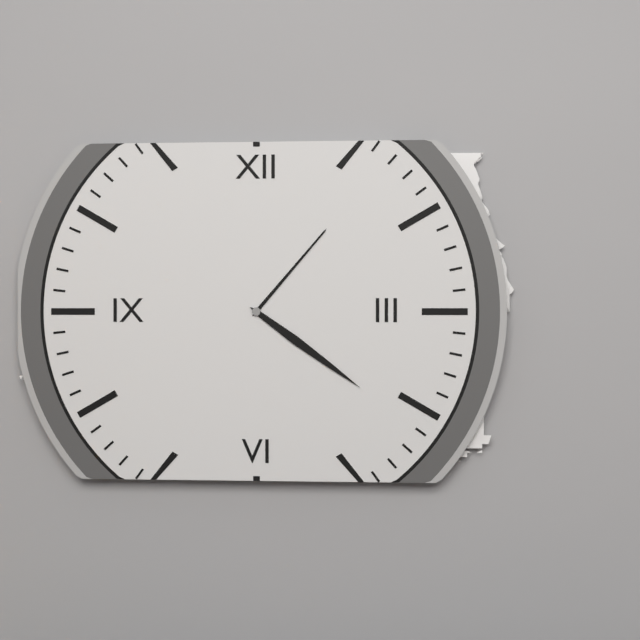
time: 1:21
